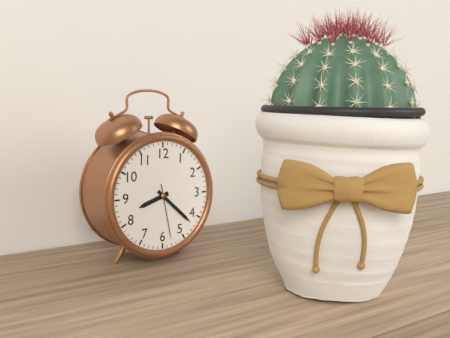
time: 8:22:28
